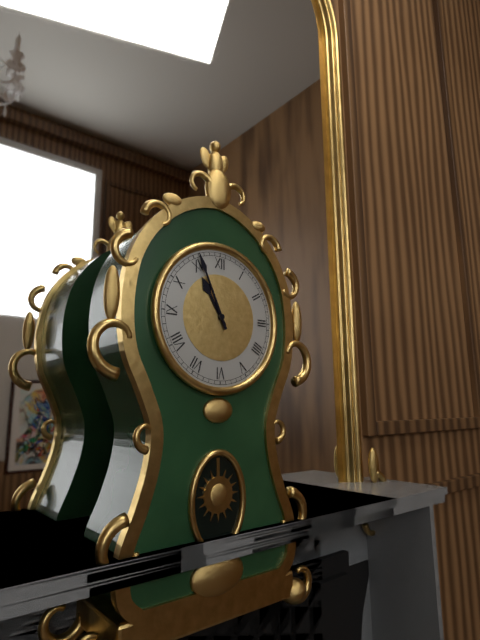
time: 10:56
